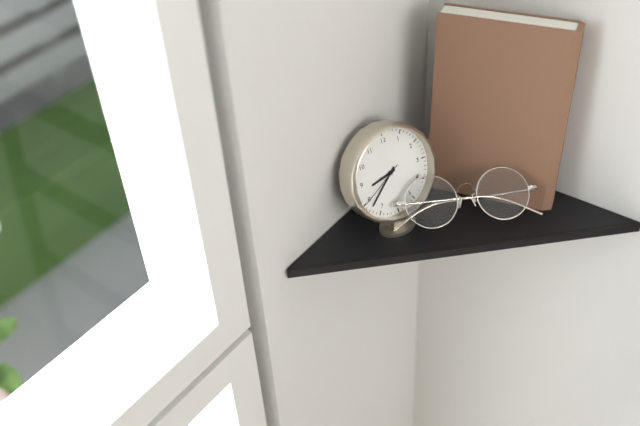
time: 8:38
